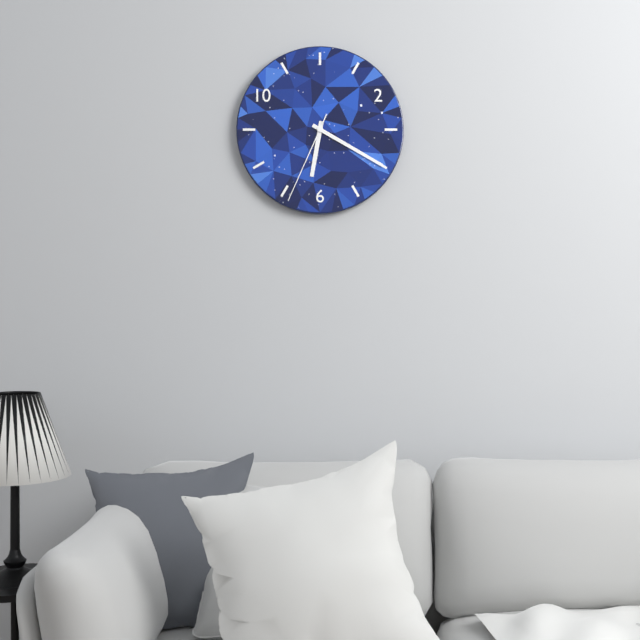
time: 6:20:34
